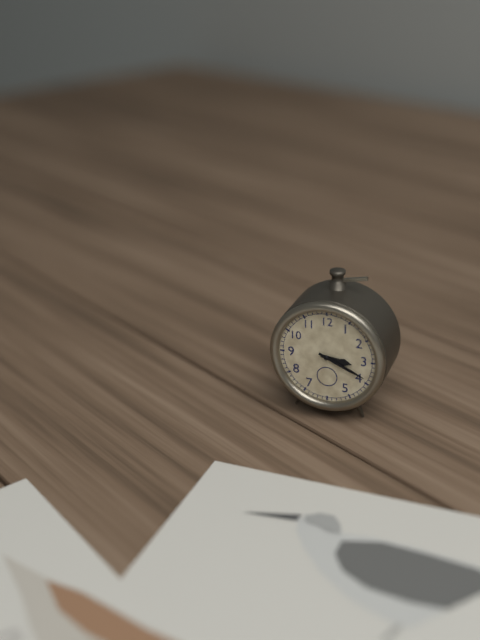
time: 3:19
